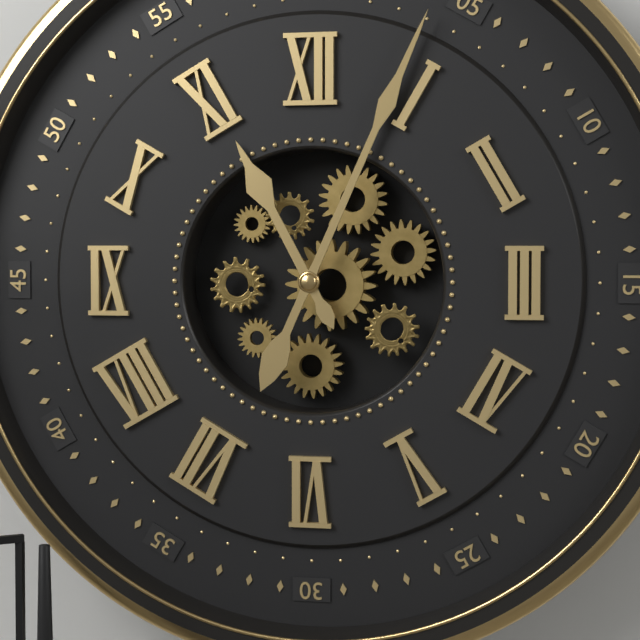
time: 11:04
